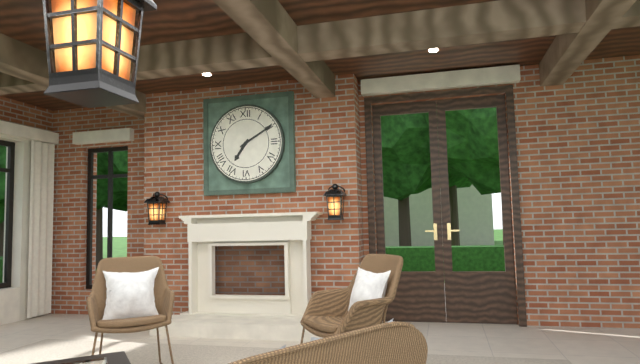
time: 7:10
